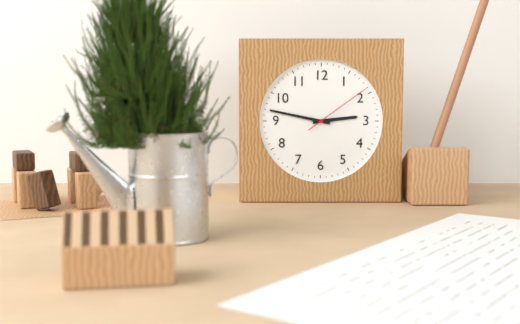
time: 2:47:09
